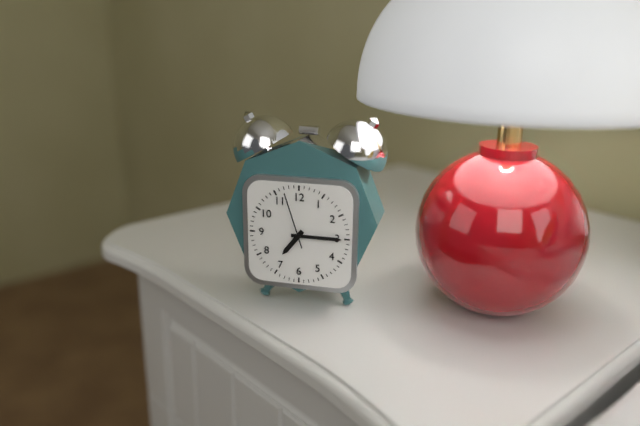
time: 7:15:57
